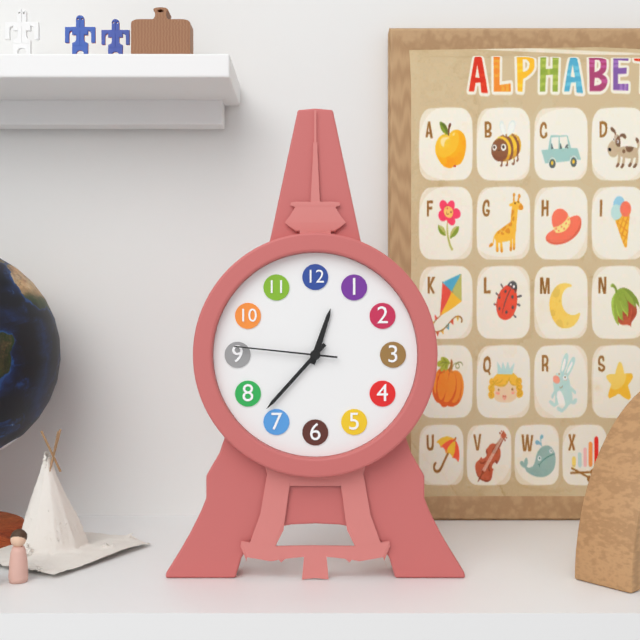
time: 12:37:46
